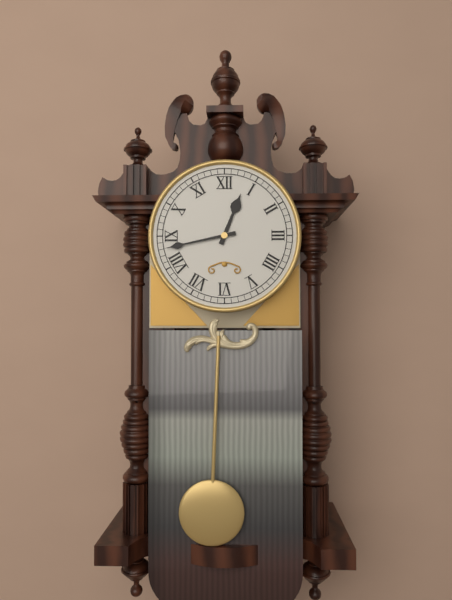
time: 12:43
